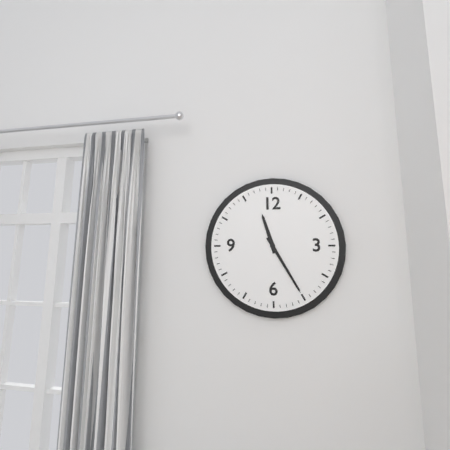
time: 11:25
